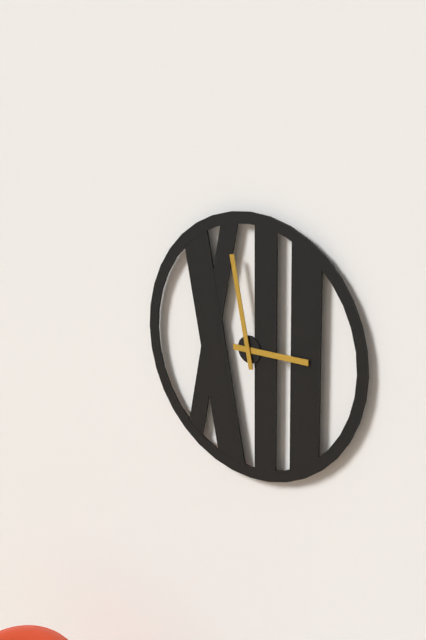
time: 2:58
